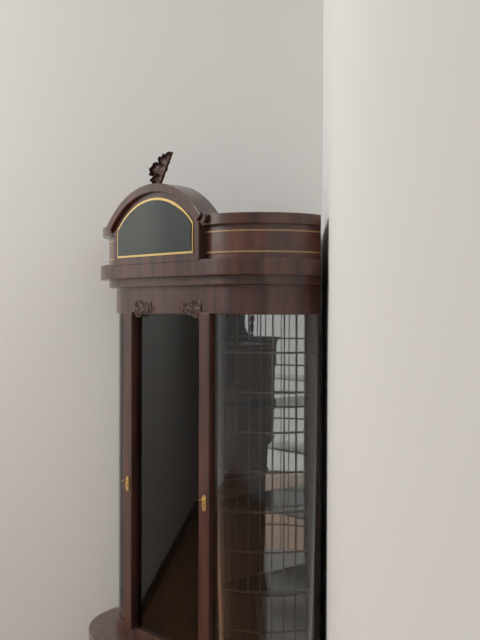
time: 4:09
